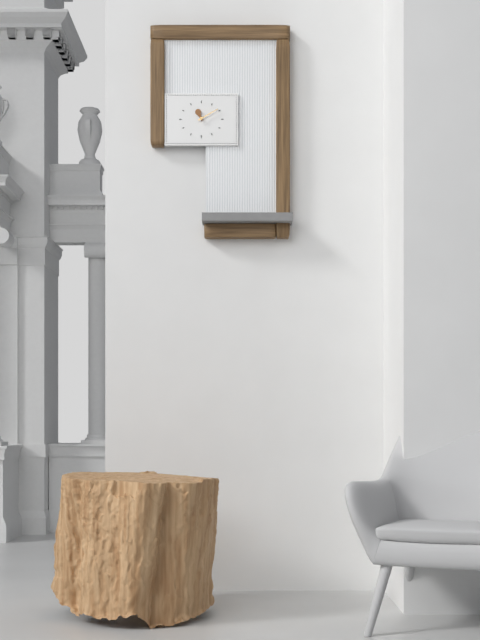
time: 11:10
